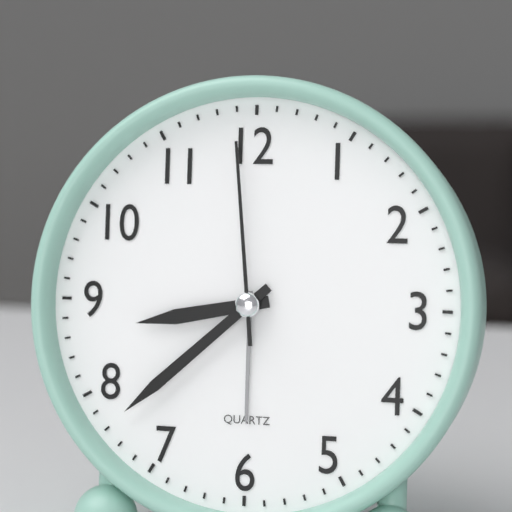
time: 8:38:59
